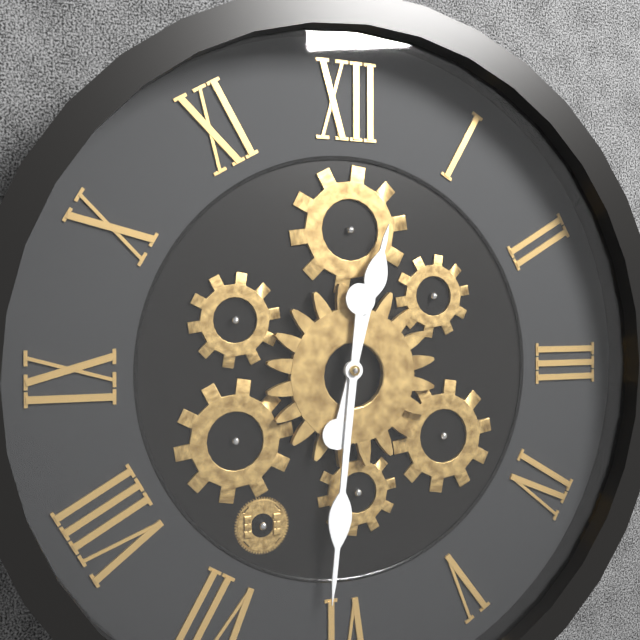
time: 12:31
